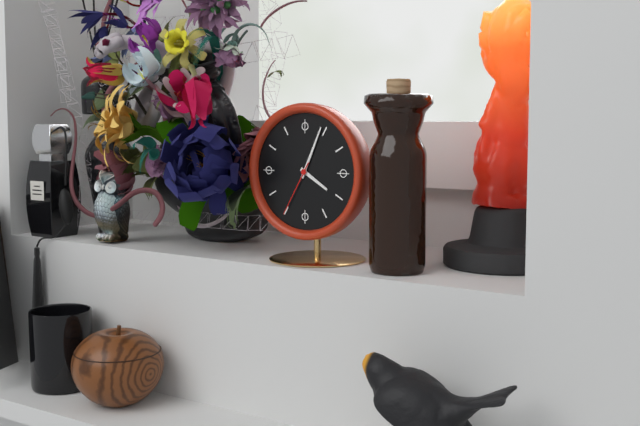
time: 4:04:35
